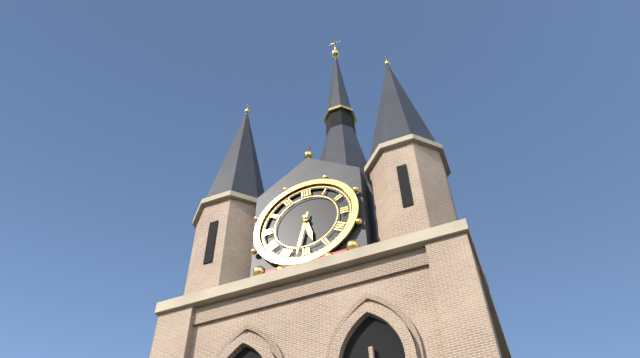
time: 5:32
